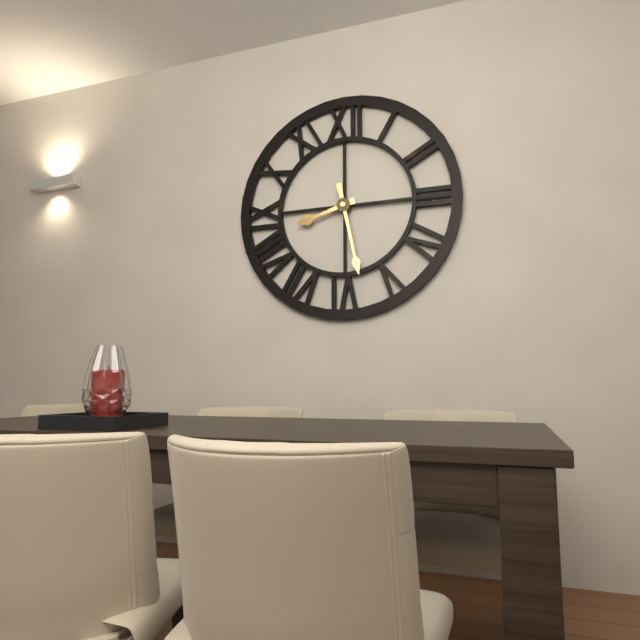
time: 8:28
